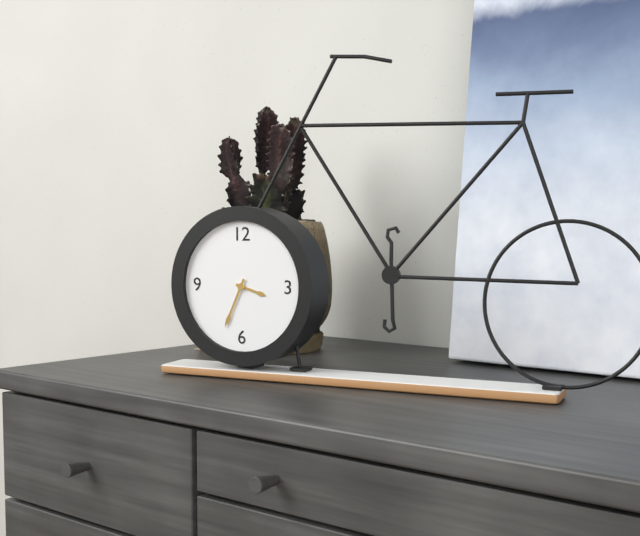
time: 3:34
